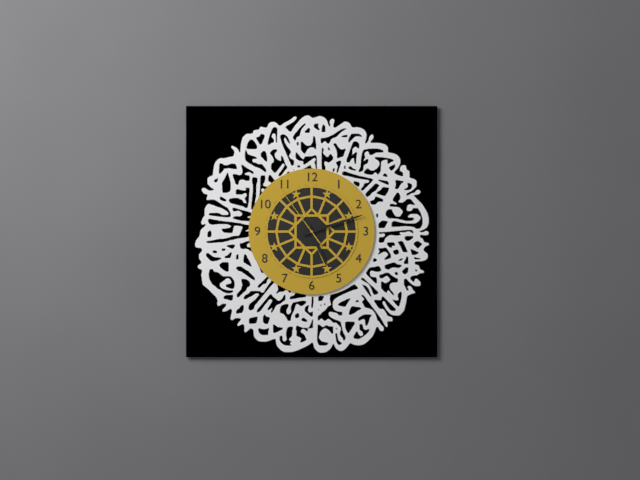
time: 5:12:54
